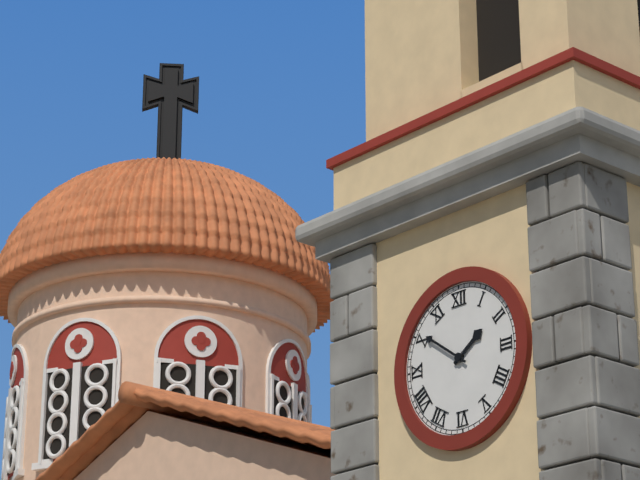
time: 1:51
